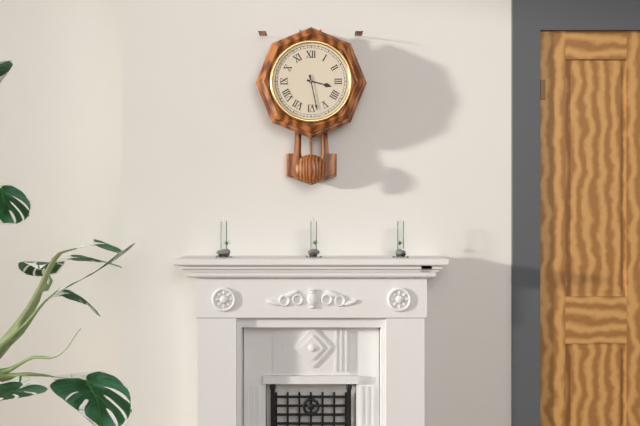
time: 3:28
